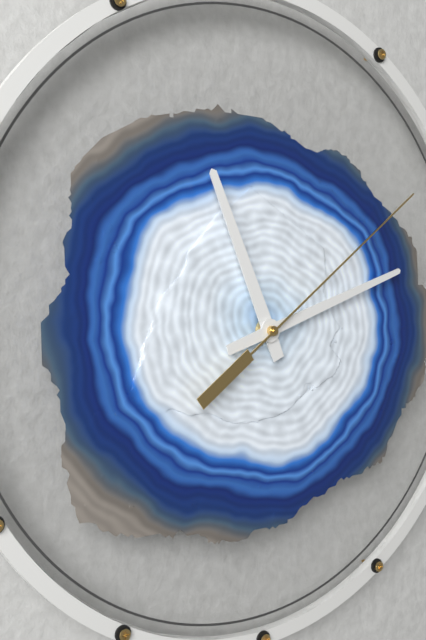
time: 11:12:09
